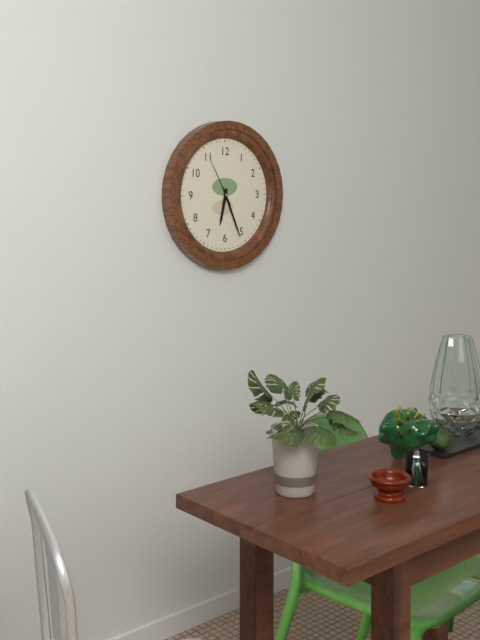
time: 6:26:55
